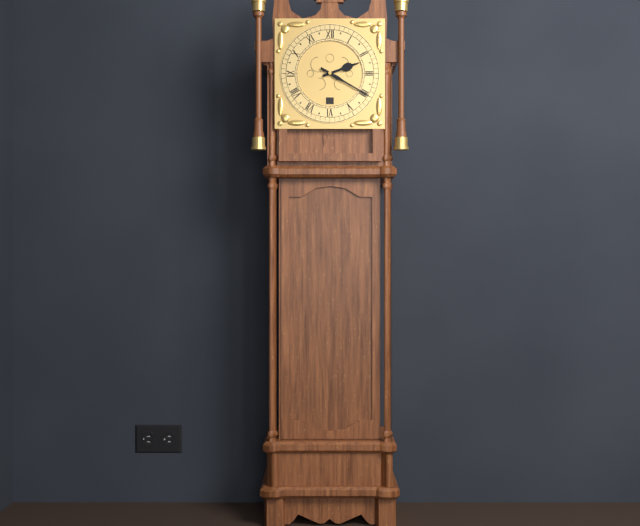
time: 2:20
